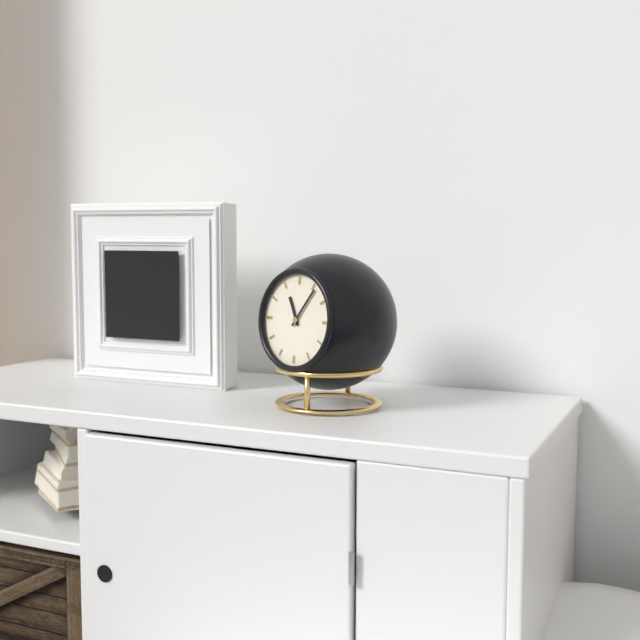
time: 11:06
